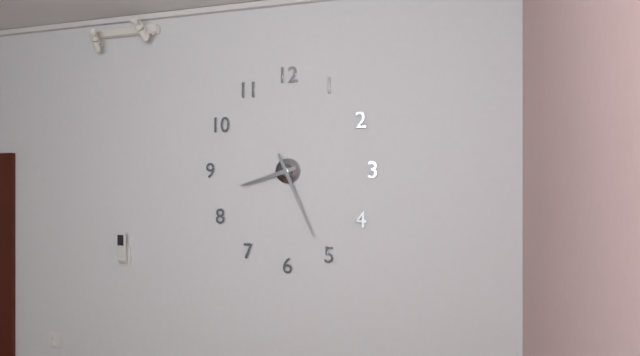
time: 8:26
